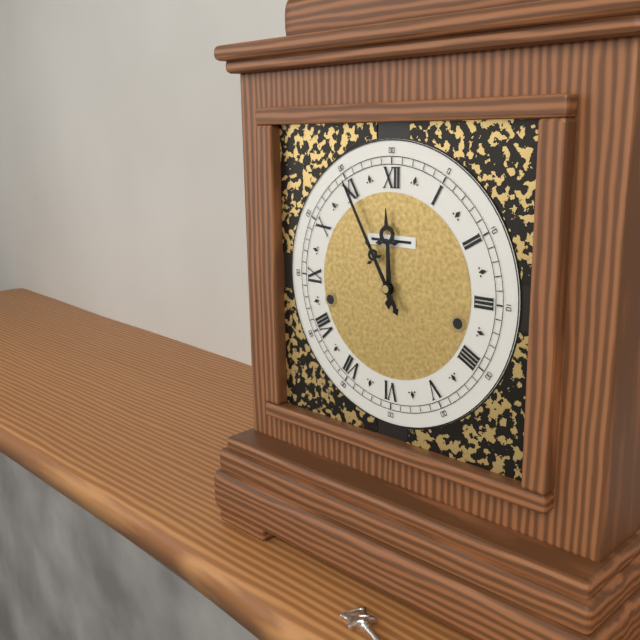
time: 11:55
